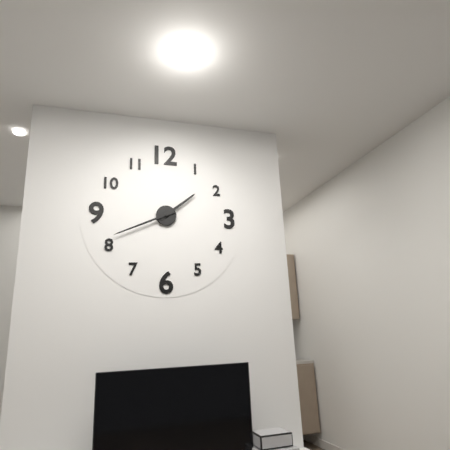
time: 1:41
